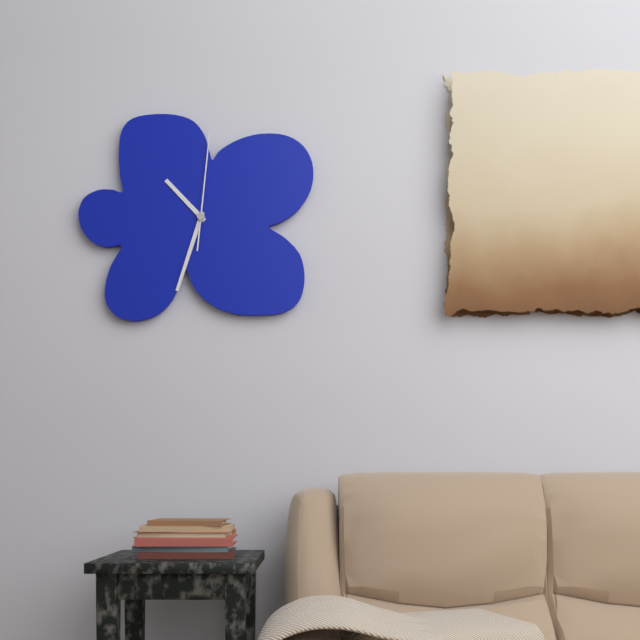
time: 10:33:01
